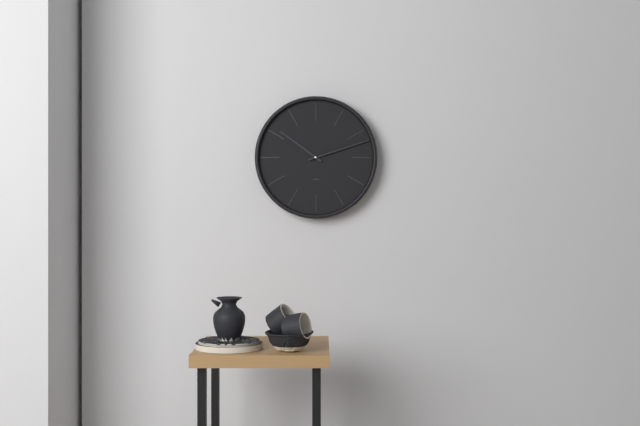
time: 10:12
